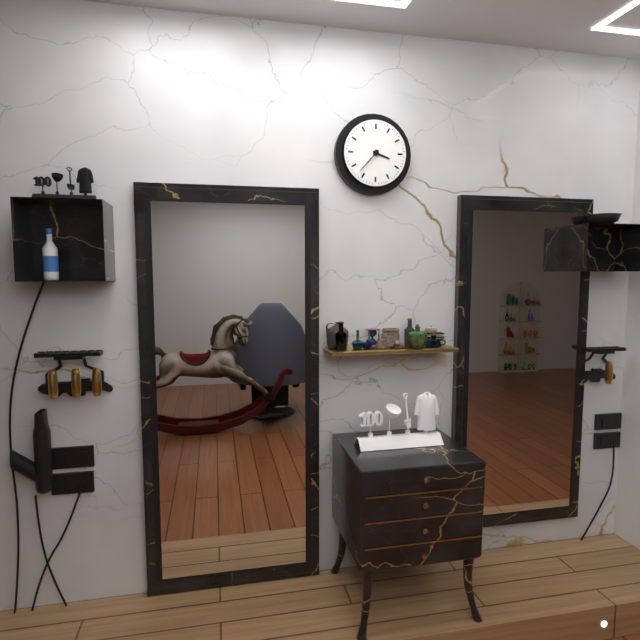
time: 3:37
